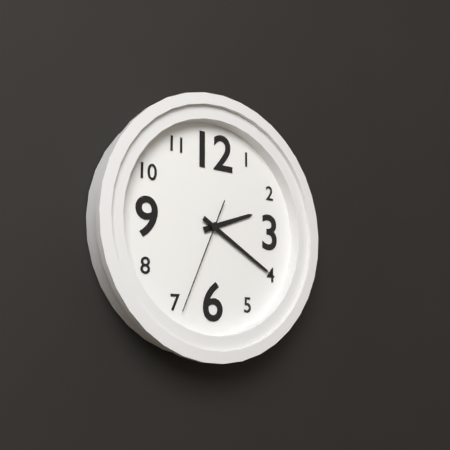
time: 2:20:34
